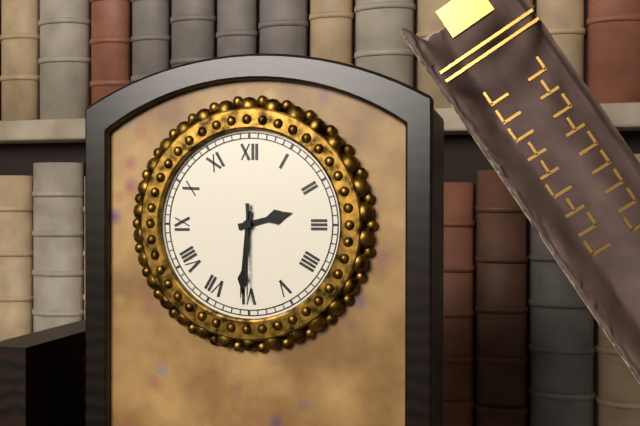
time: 2:31:30
